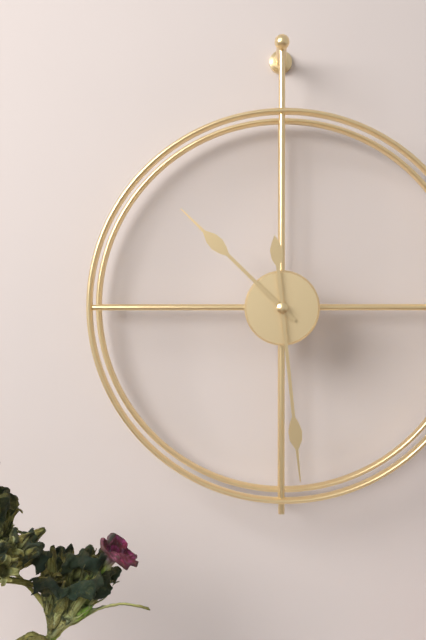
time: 10:29
